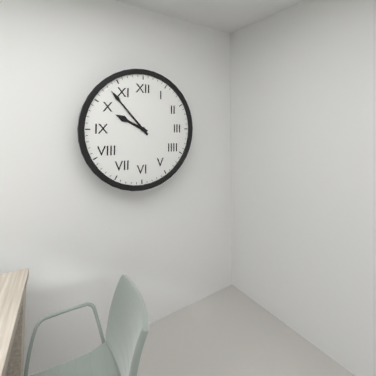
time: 9:53
